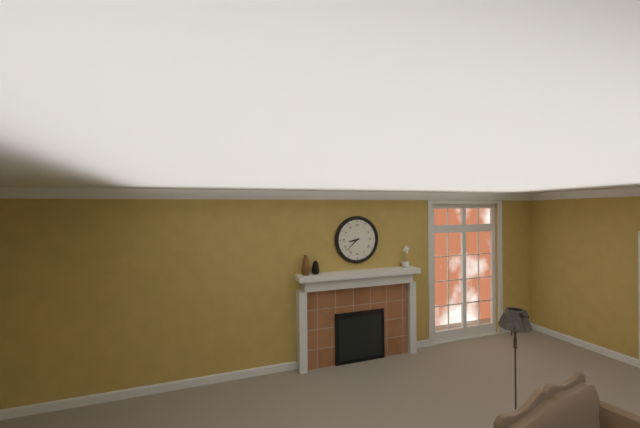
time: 8:38
